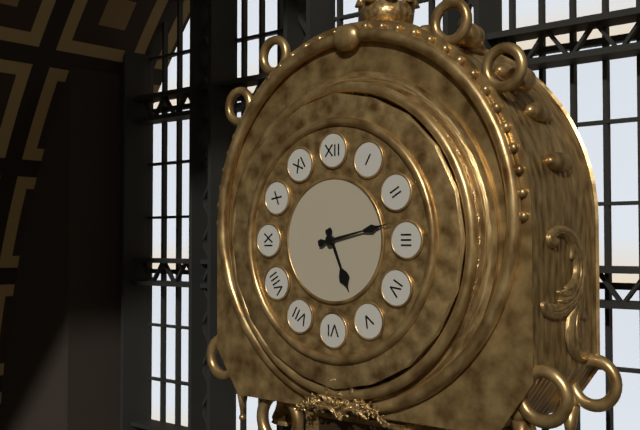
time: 5:13
